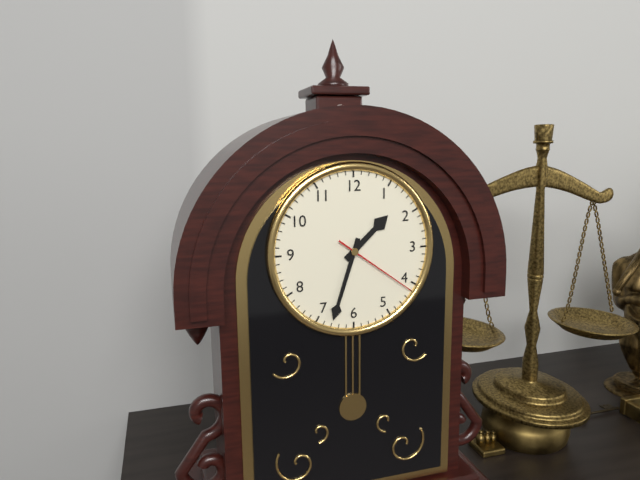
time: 1:33:21
